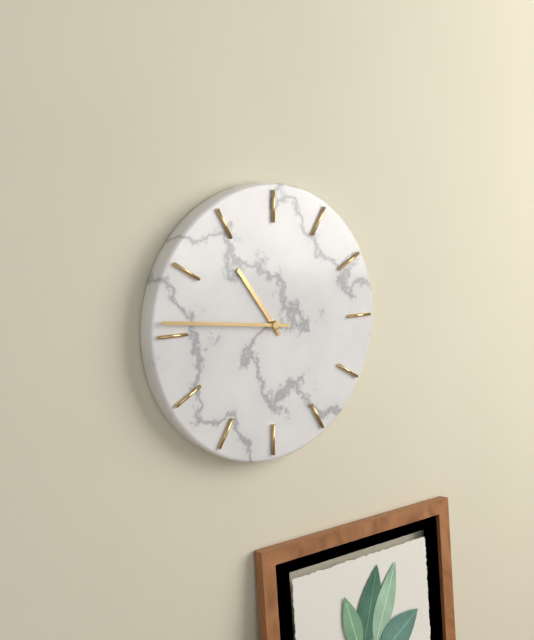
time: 10:46
